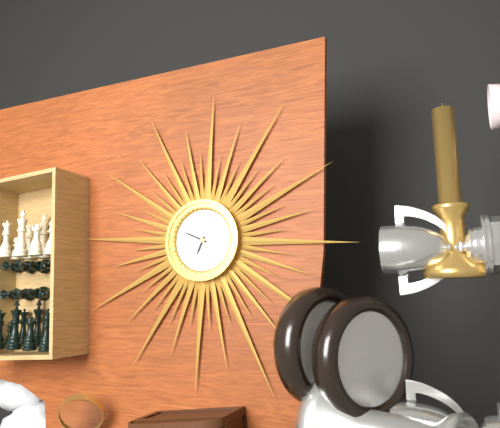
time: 6:49
